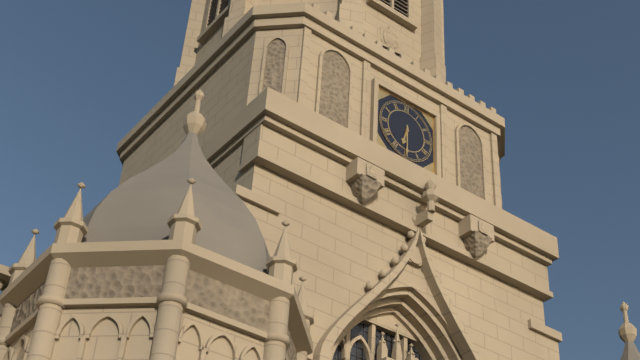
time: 6:30
